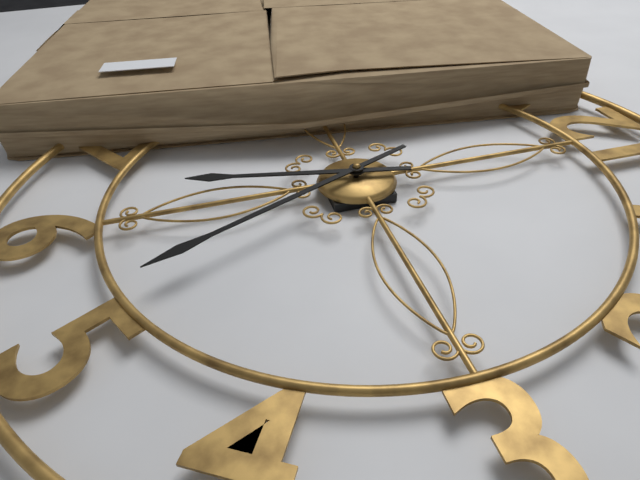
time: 6:26
